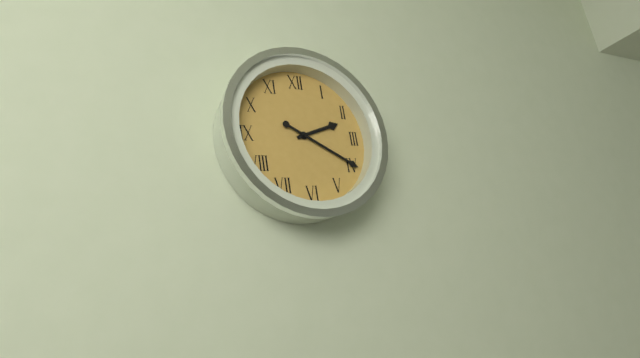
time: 2:20
